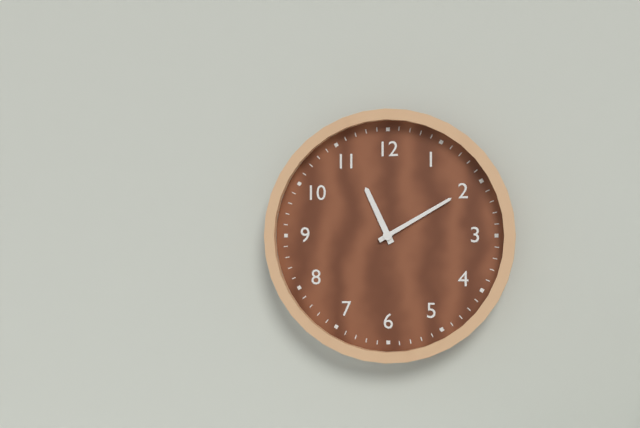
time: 11:10
